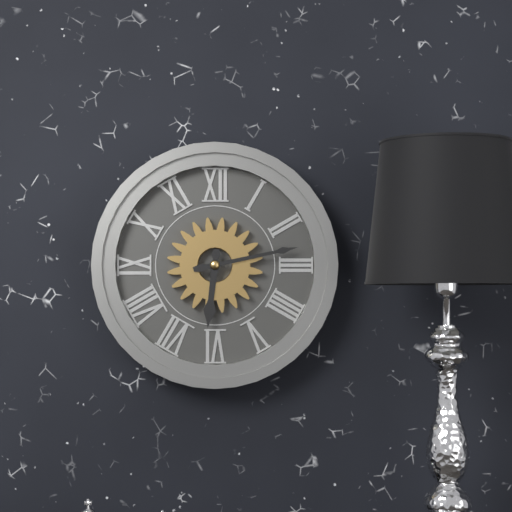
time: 6:13
